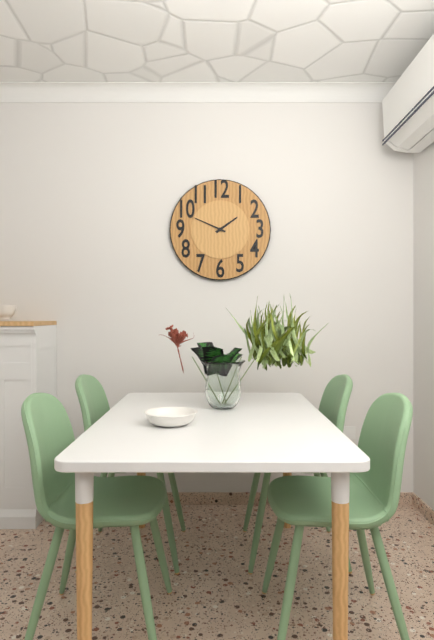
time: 1:49
